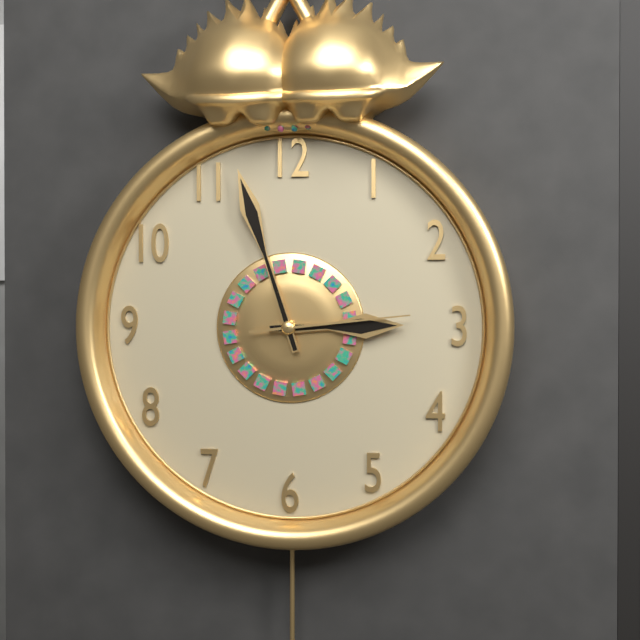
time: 2:57:14
